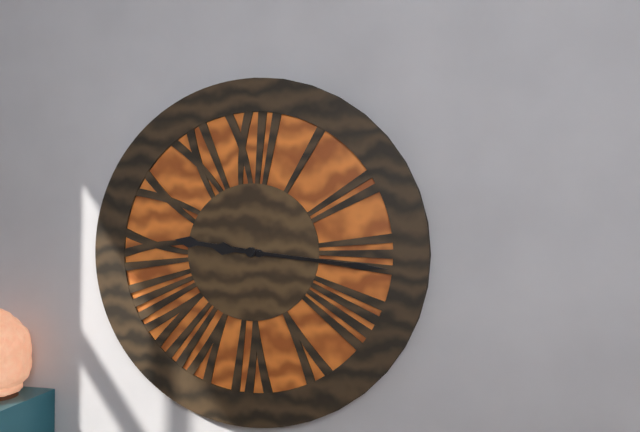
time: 9:16
